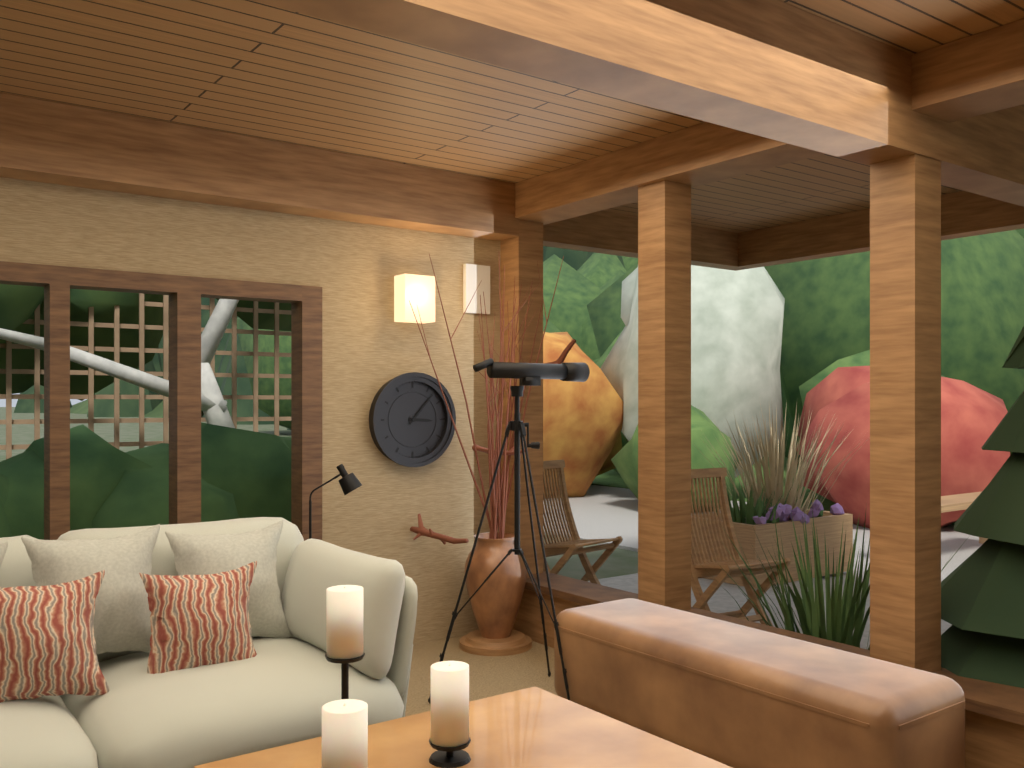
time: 3:07
